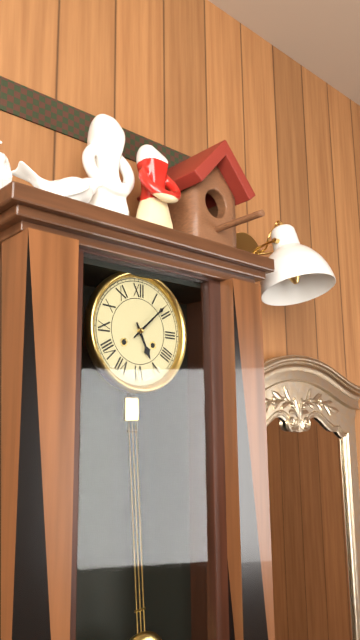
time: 5:08
